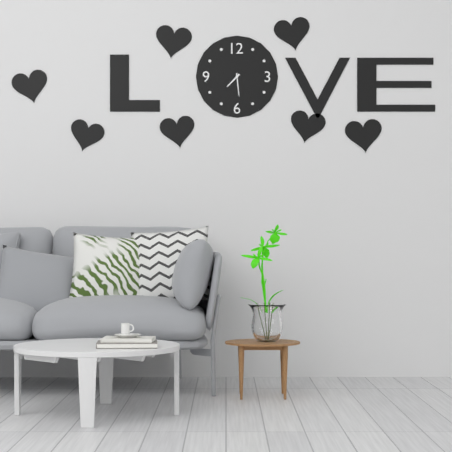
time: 7:29
